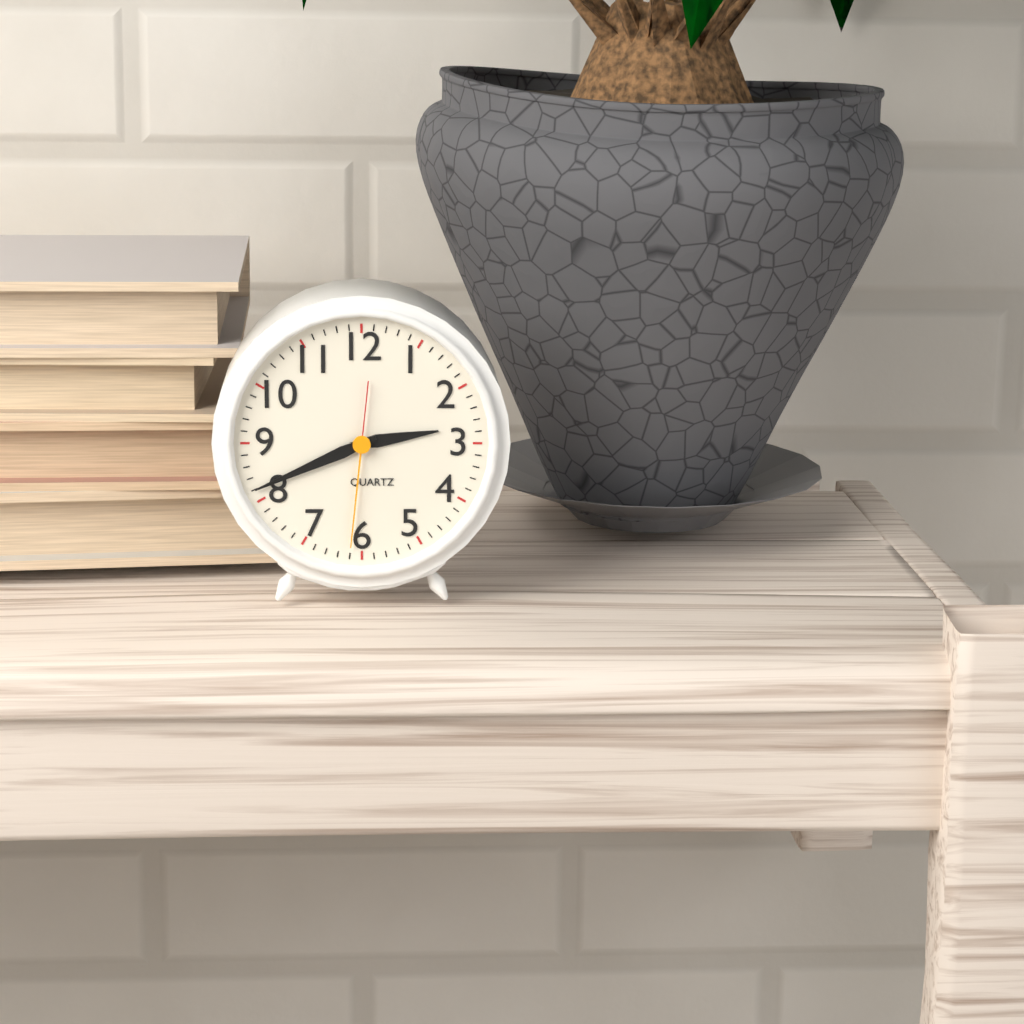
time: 2:41:31
